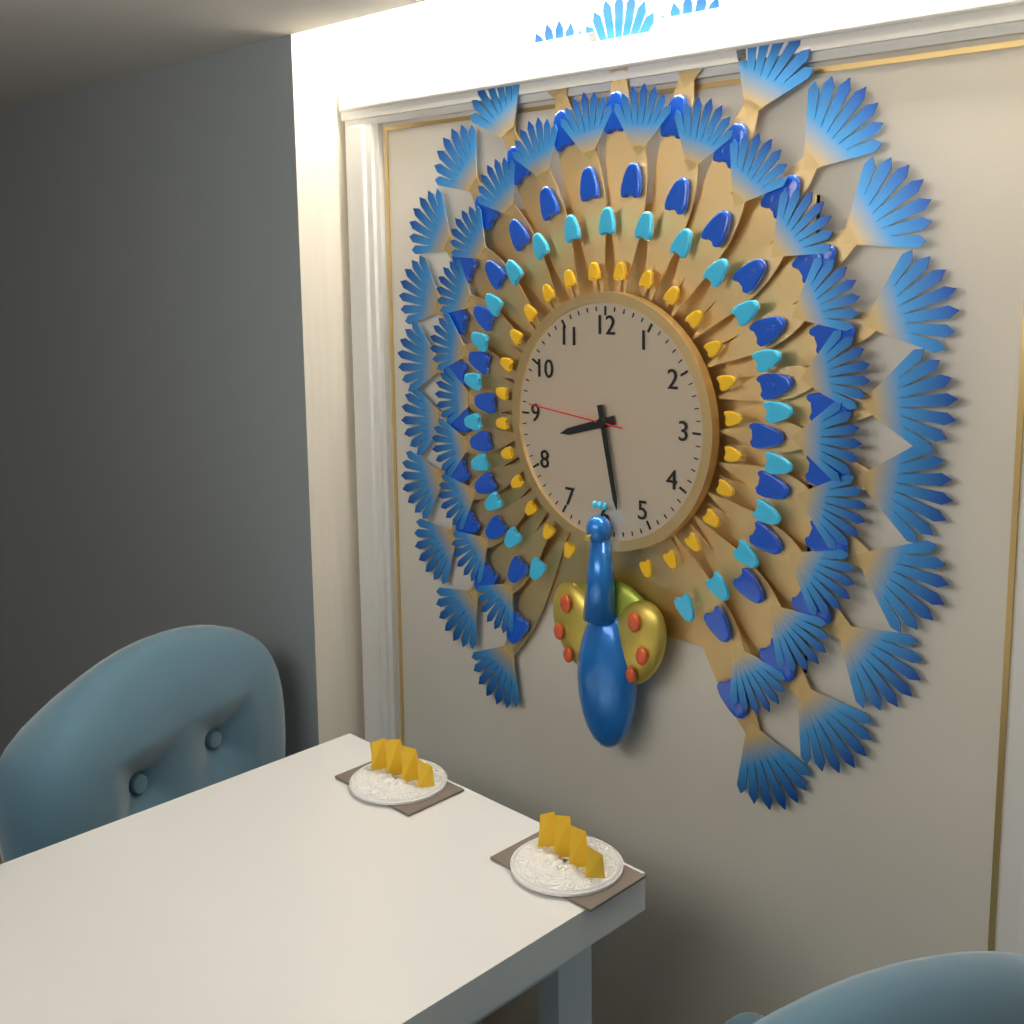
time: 8:28:46
